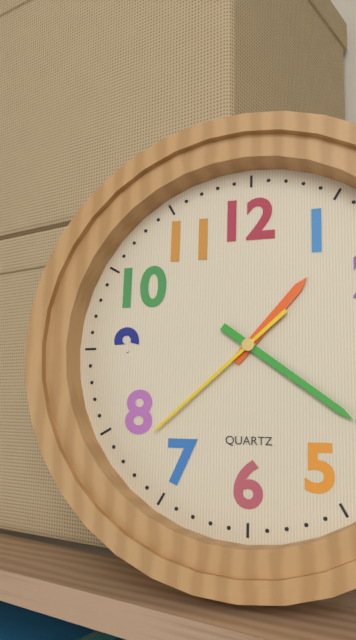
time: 1:21:38
